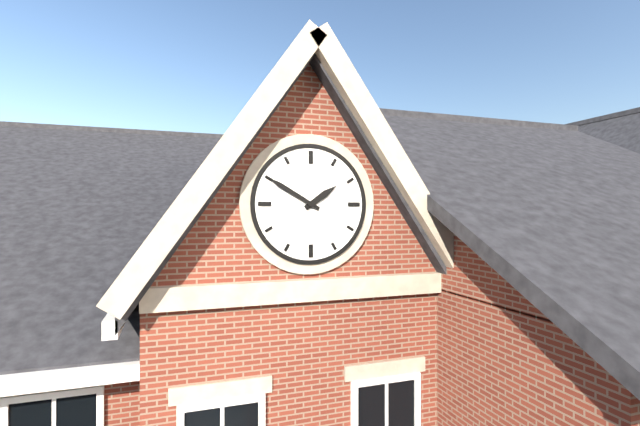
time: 1:50
